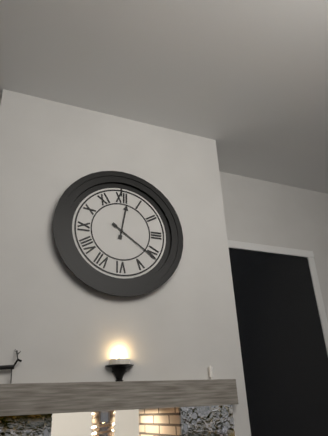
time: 12:21
